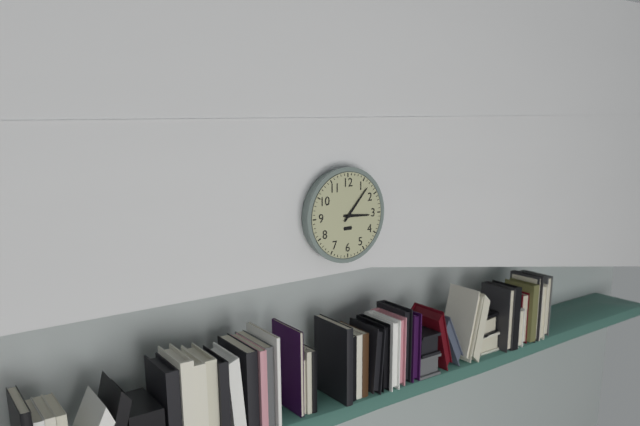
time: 3:07
